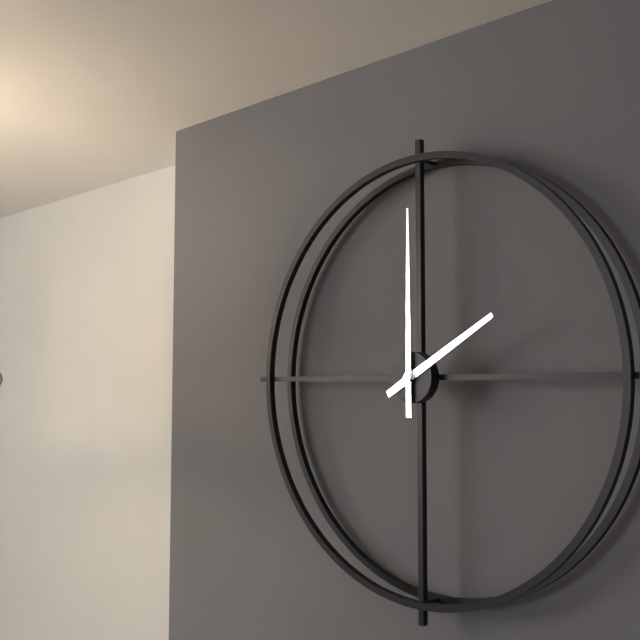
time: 2:00
